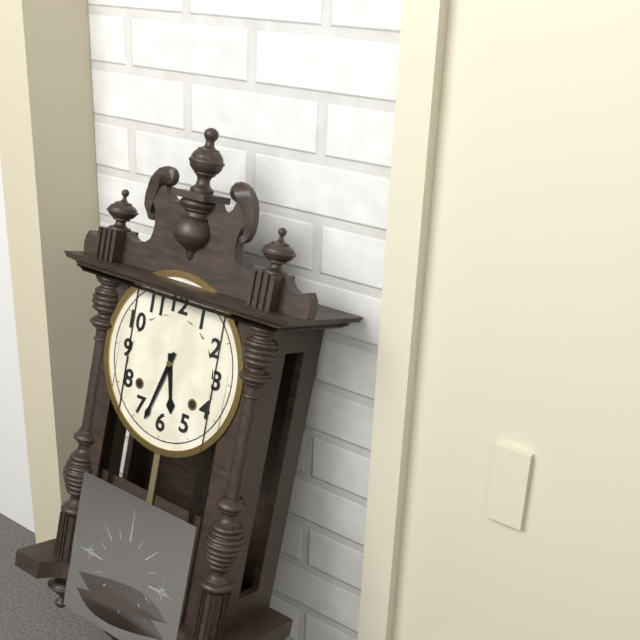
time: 5:33
